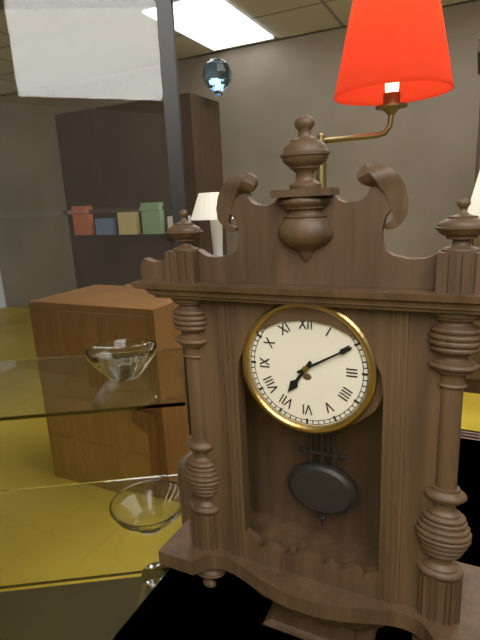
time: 7:10
